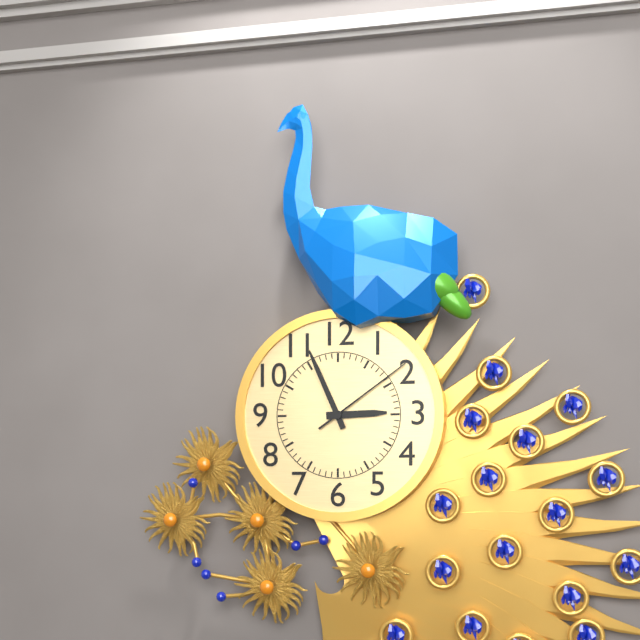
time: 2:56:09
